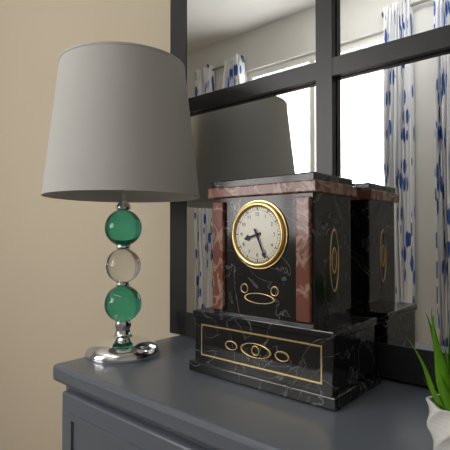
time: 8:26
